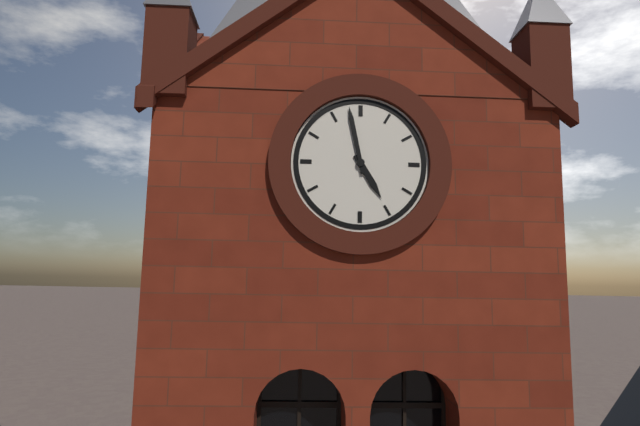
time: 4:58
